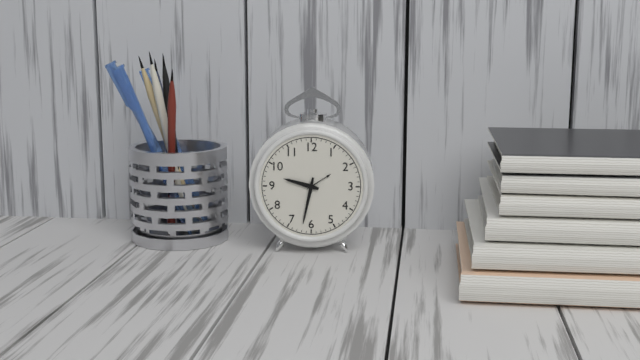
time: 9:32
